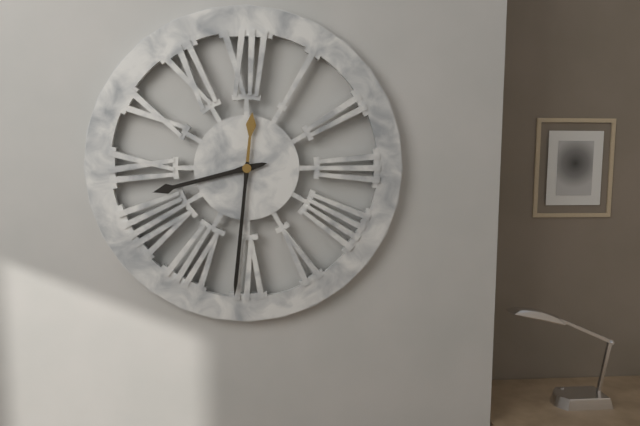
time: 8:31
